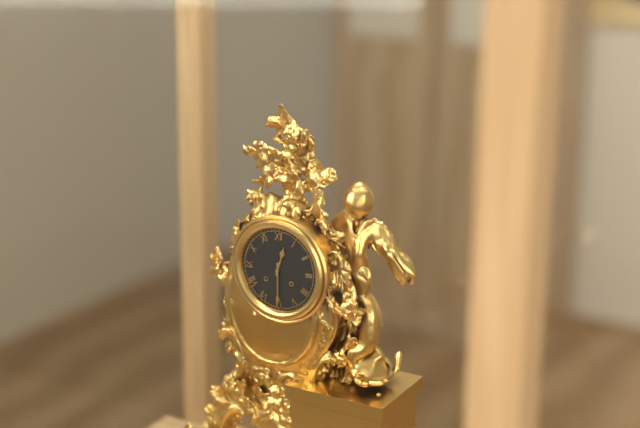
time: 12:30
